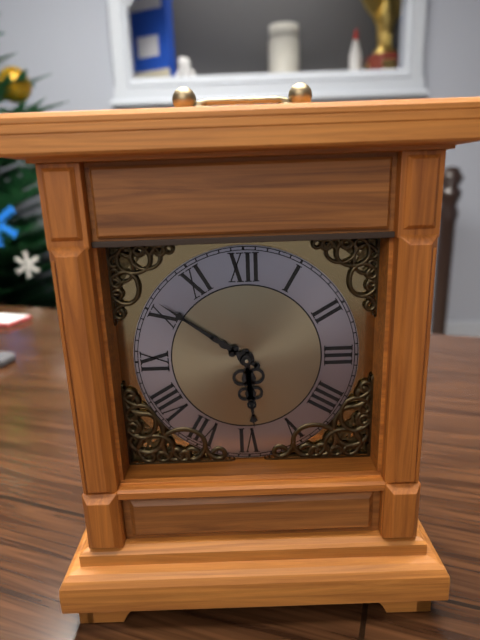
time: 5:51
